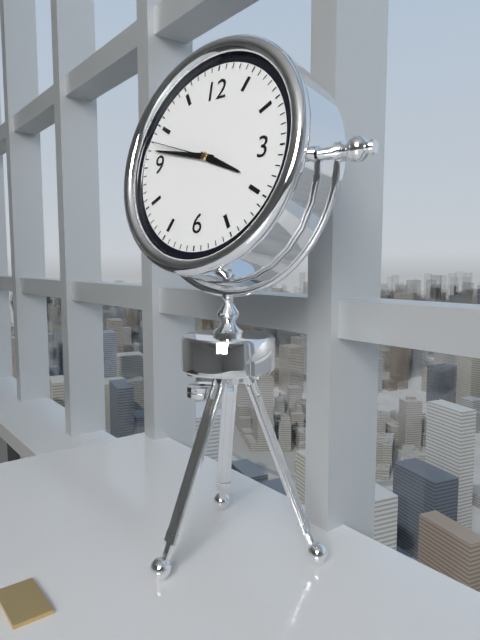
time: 3:47:48
